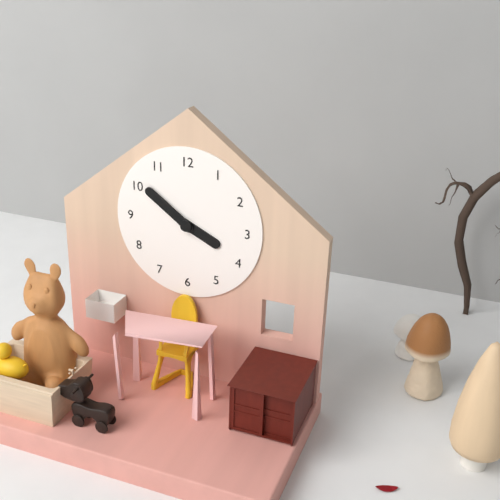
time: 3:51
